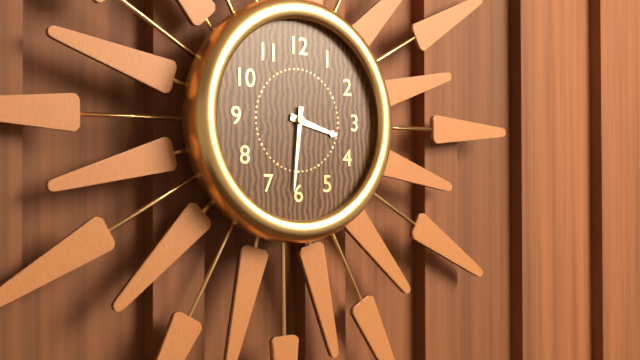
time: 3:31
